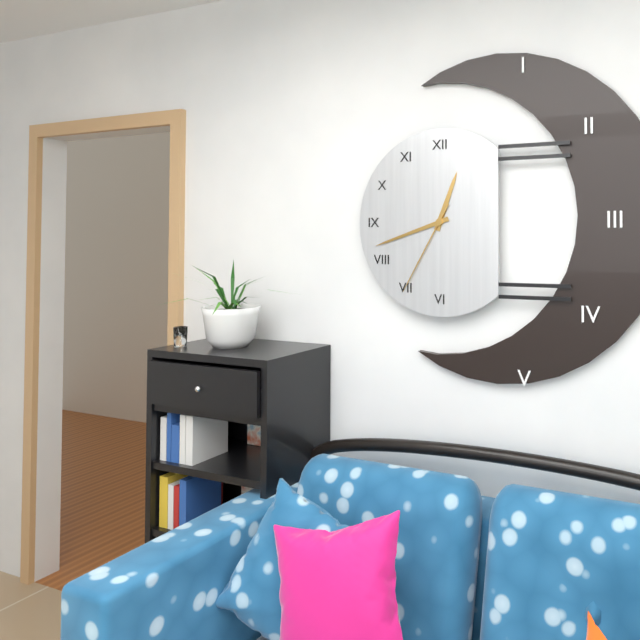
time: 12:42:35
